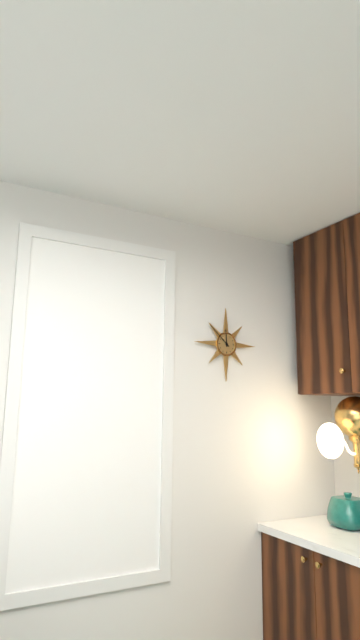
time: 11:52
